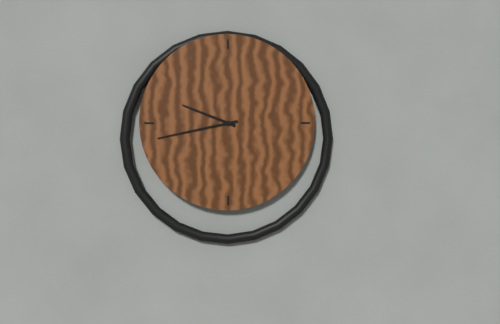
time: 9:43
